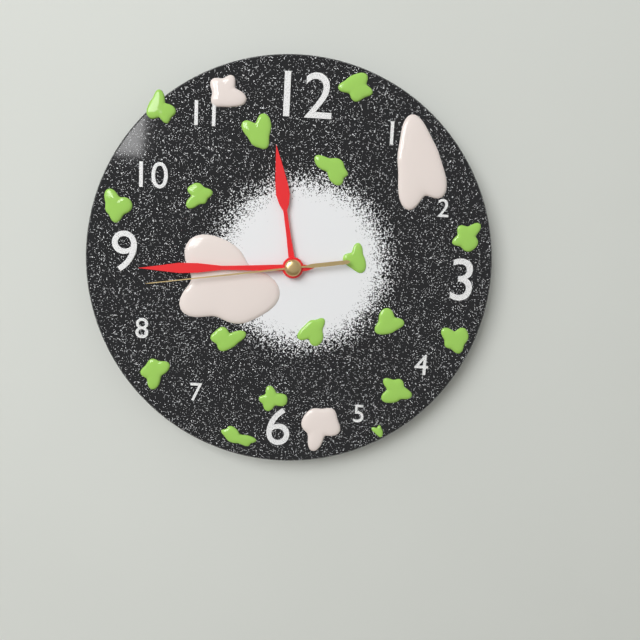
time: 11:45:44
